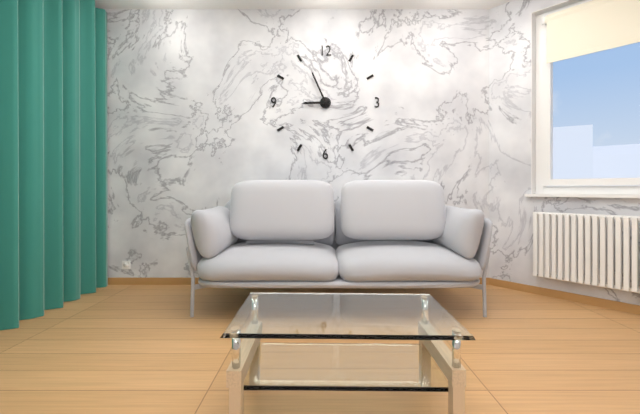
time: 8:56
